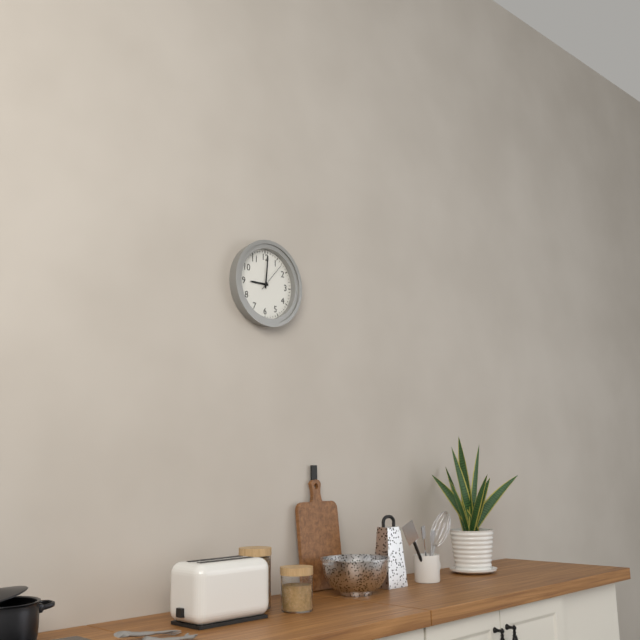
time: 9:01
